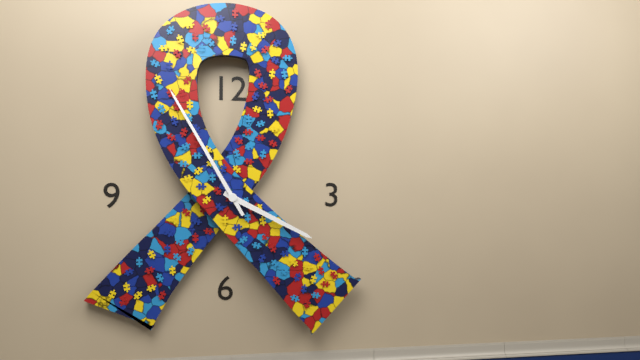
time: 3:55
